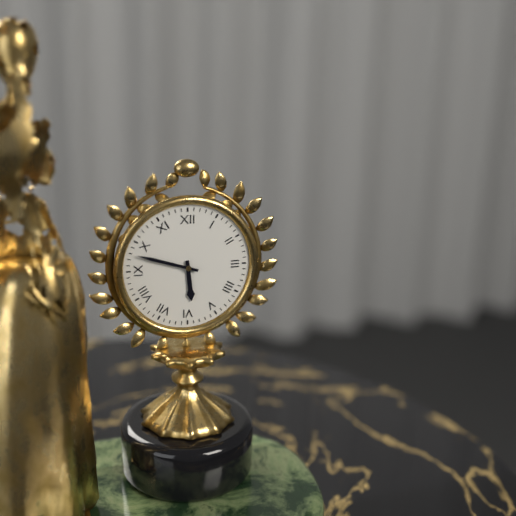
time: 5:48
